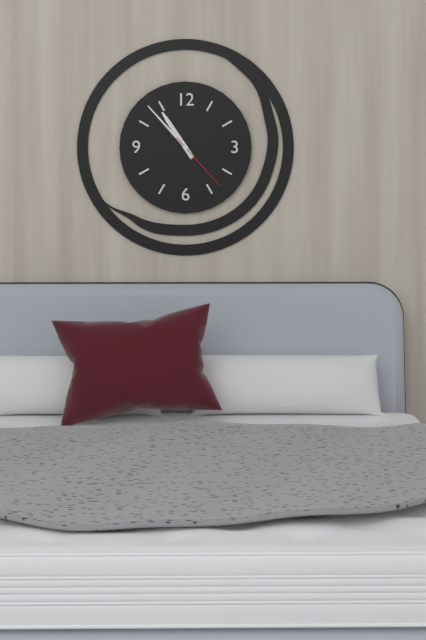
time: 10:53:23
